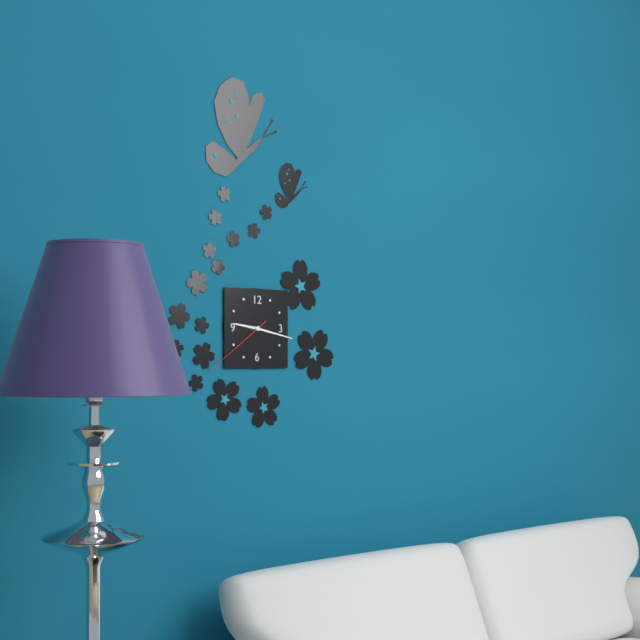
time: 9:17:39
